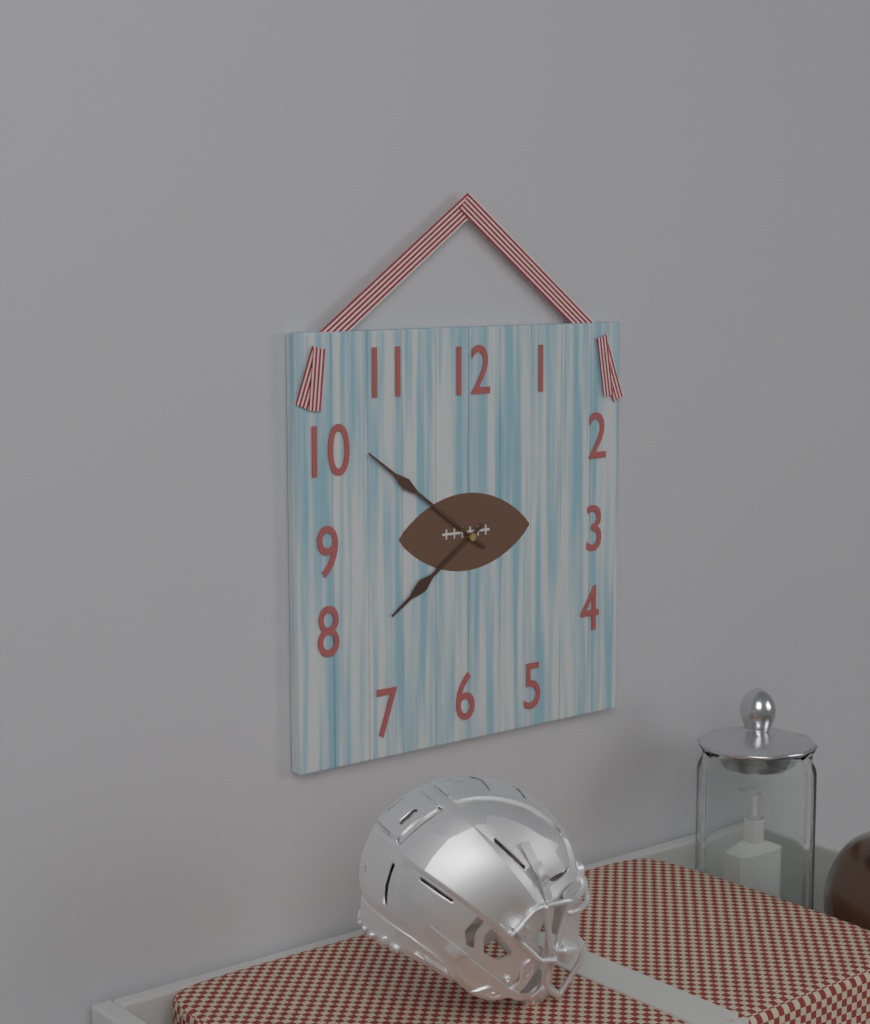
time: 7:51
